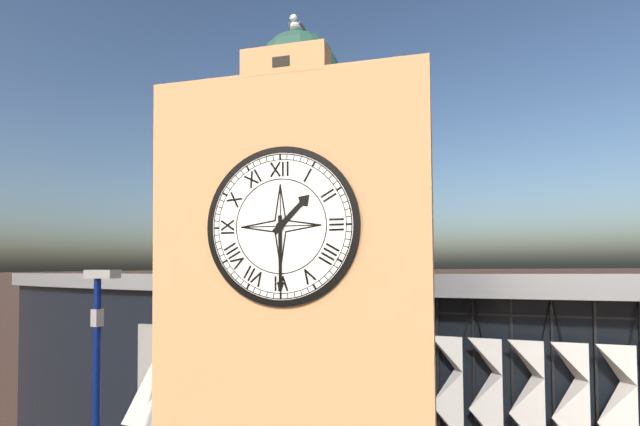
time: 1:30
